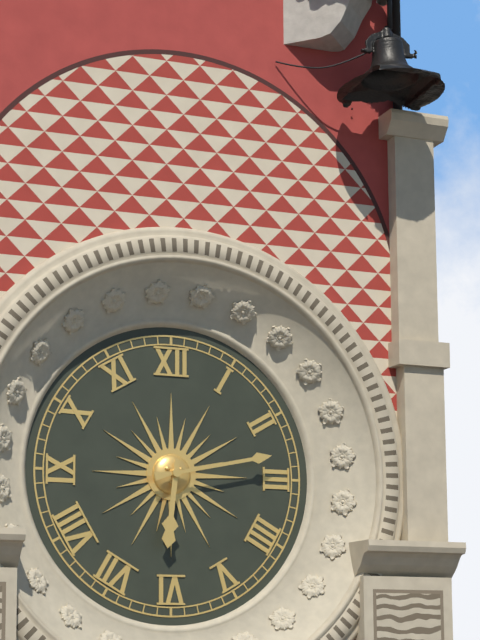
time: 6:13
